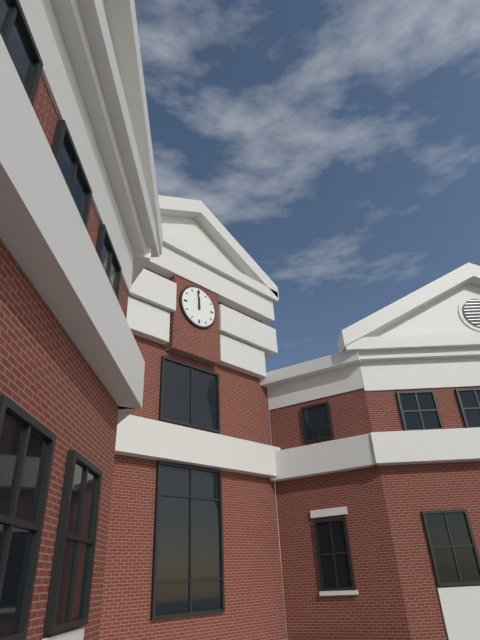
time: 11:59
